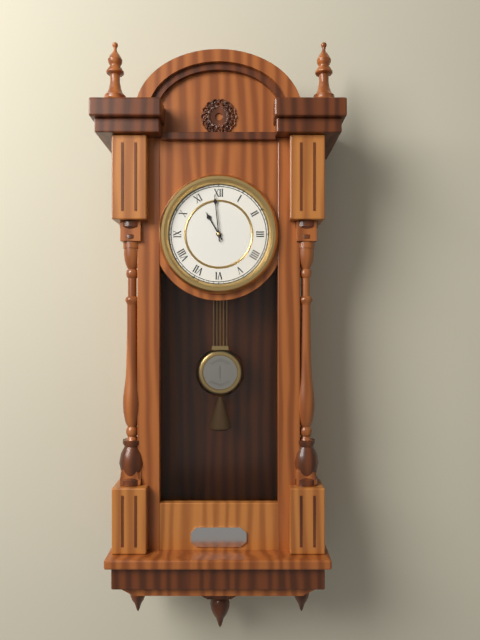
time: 10:59
